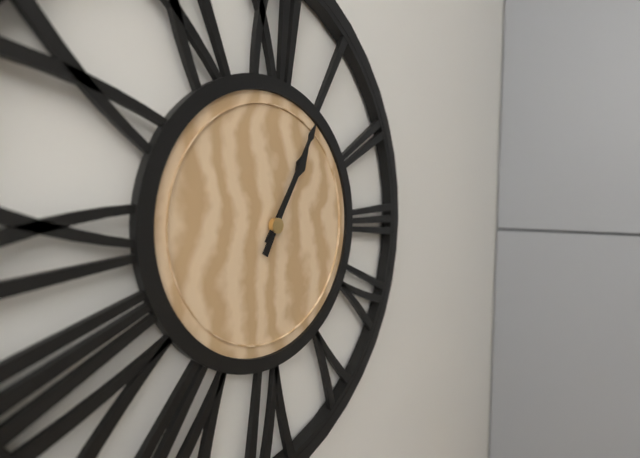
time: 1:05
